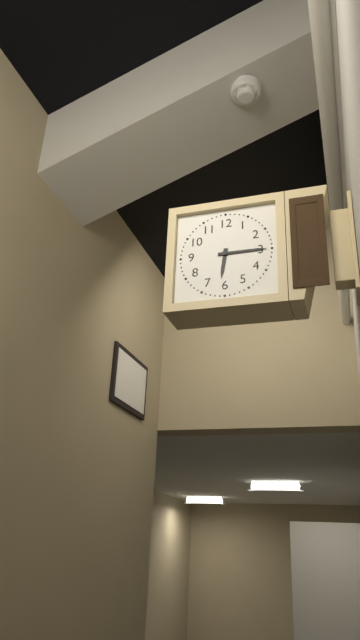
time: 6:15
